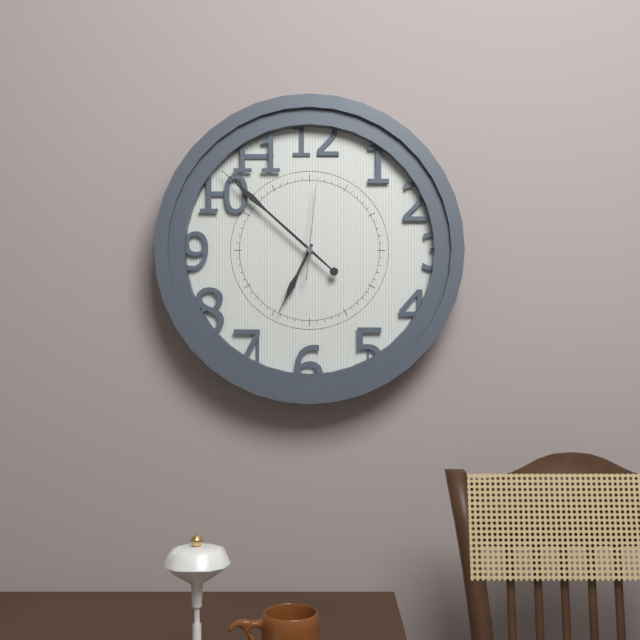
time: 6:52:01
